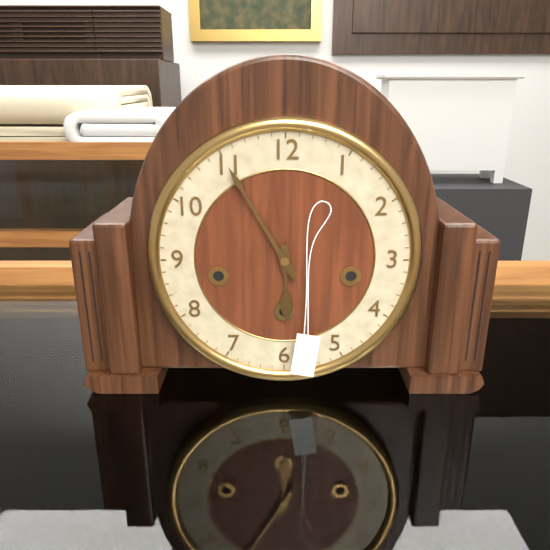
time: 5:55
